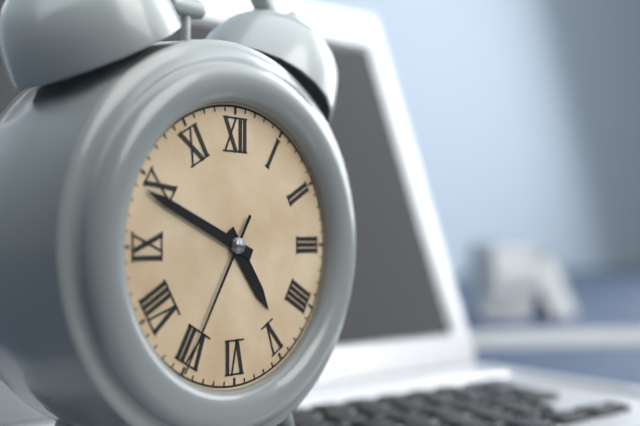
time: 4:49:35
